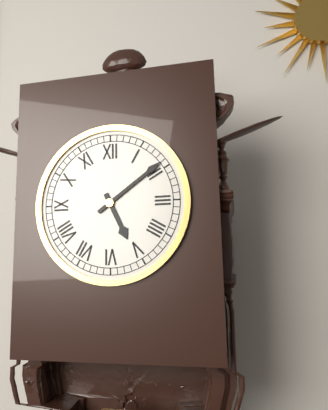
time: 5:09
